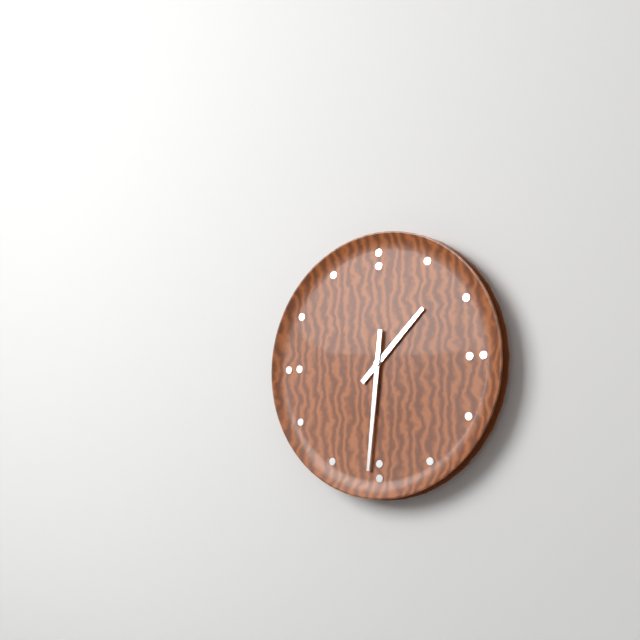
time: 1:31
